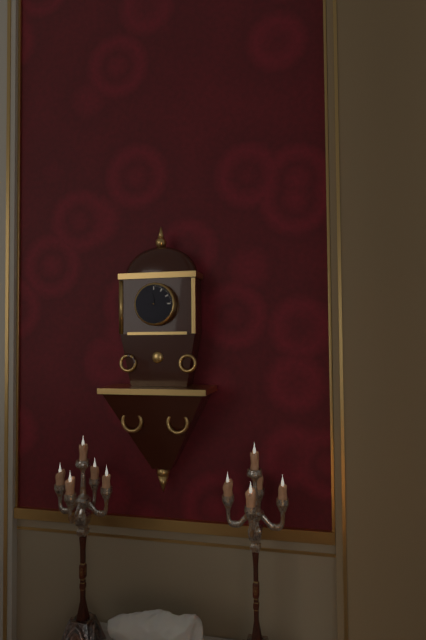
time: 11:46
